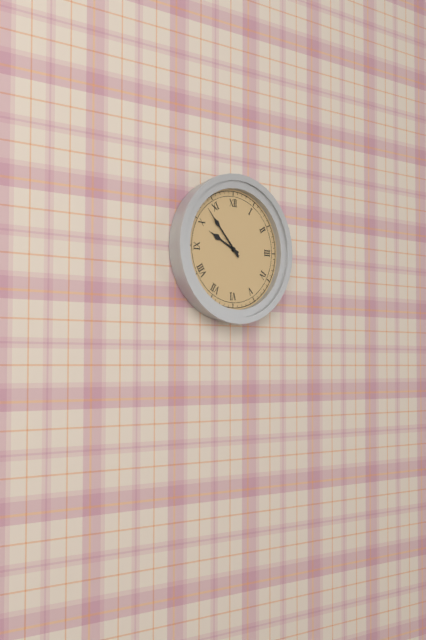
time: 9:53
